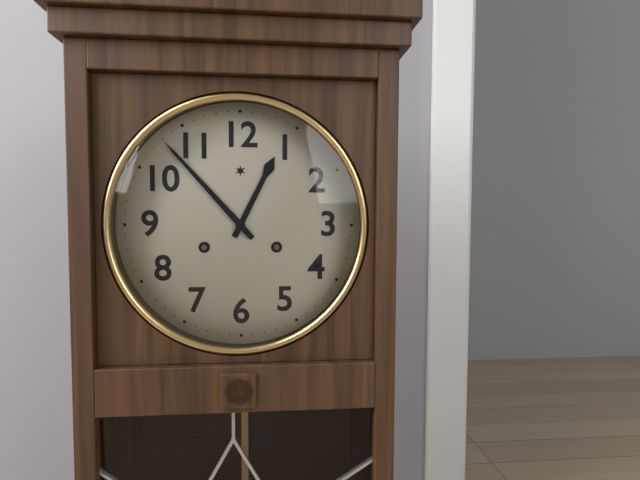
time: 12:53
